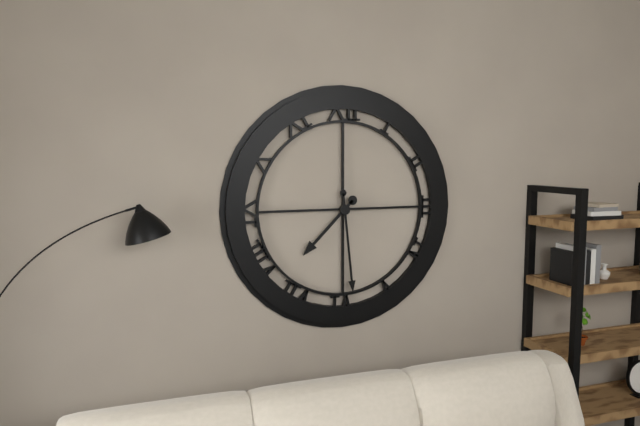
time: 7:29
